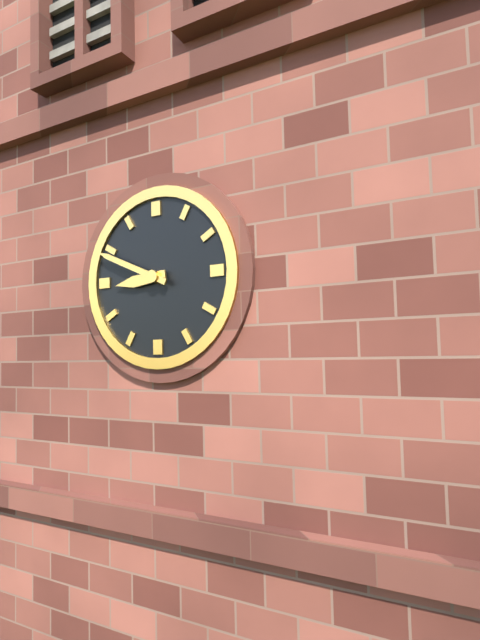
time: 8:49
